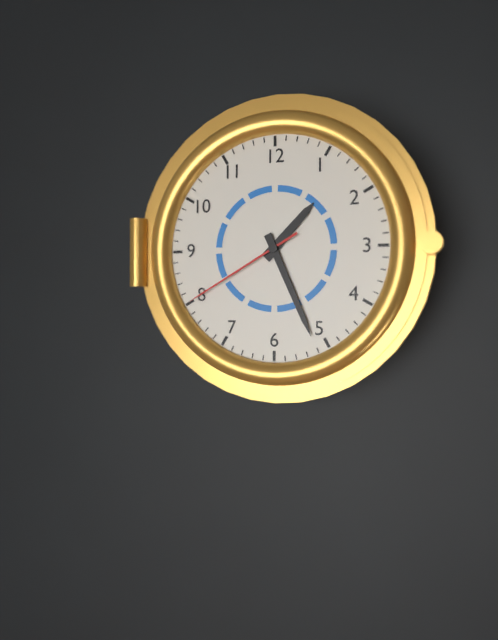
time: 1:26:40
